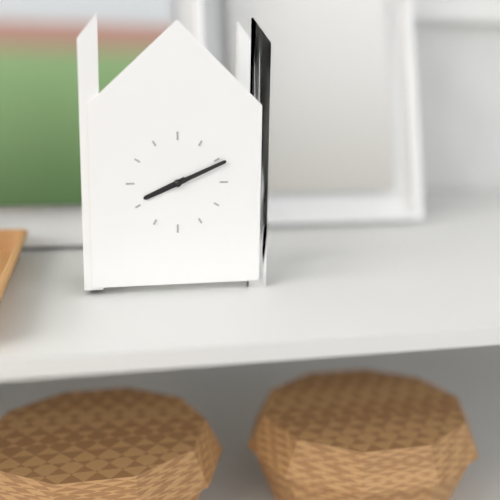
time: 8:11
